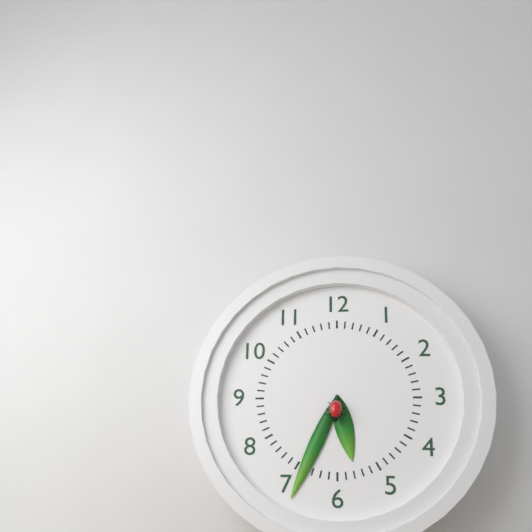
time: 5:34
